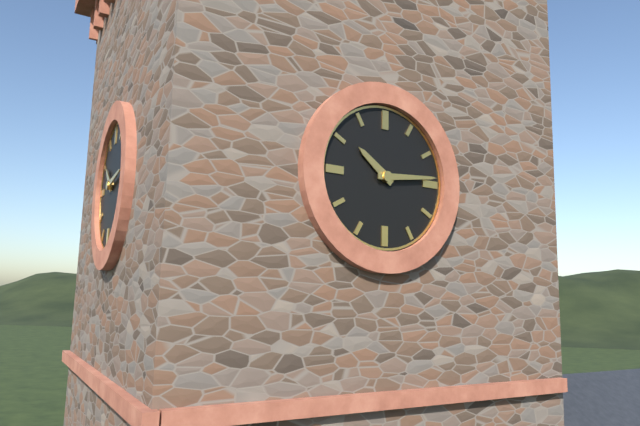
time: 10:14
